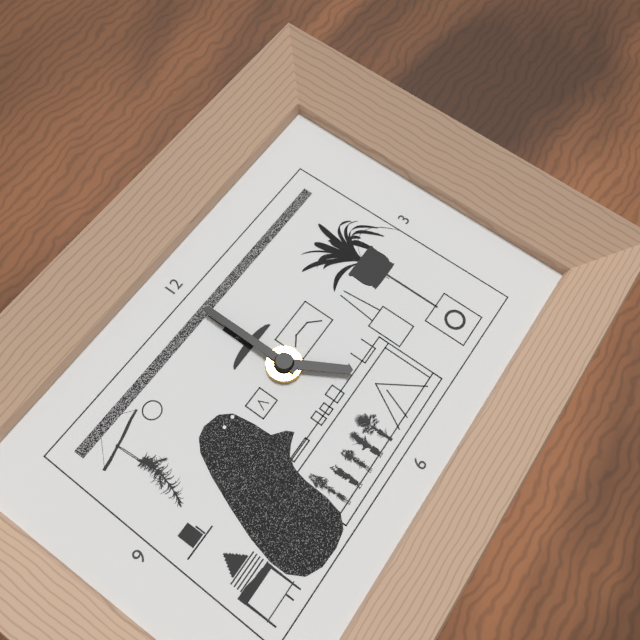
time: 5:00
